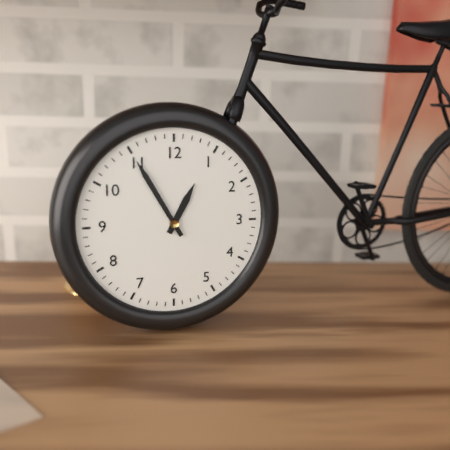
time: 12:55
